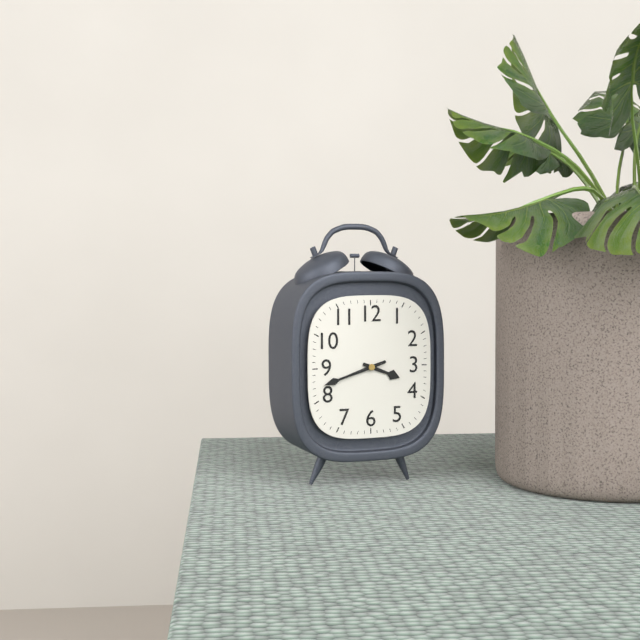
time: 3:42
